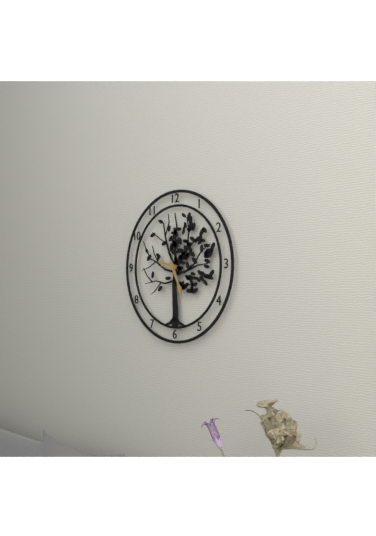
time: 9:26
